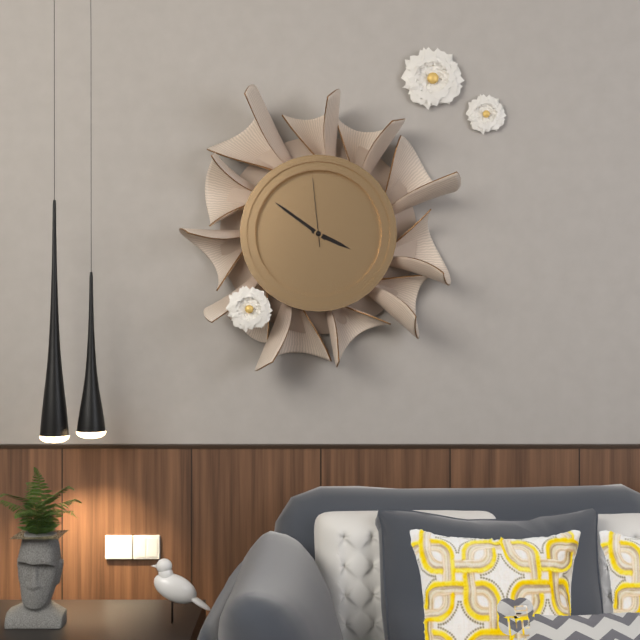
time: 3:51:59
